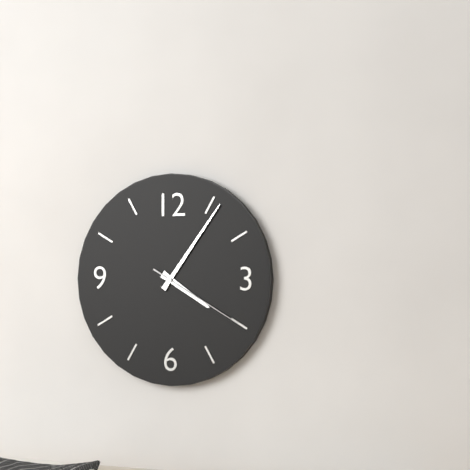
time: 4:06:20
